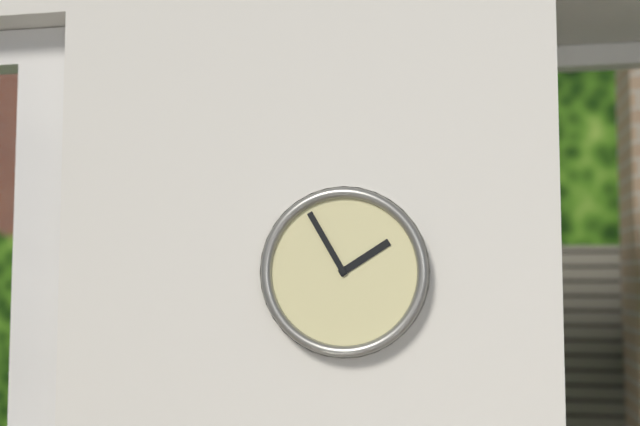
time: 1:55
